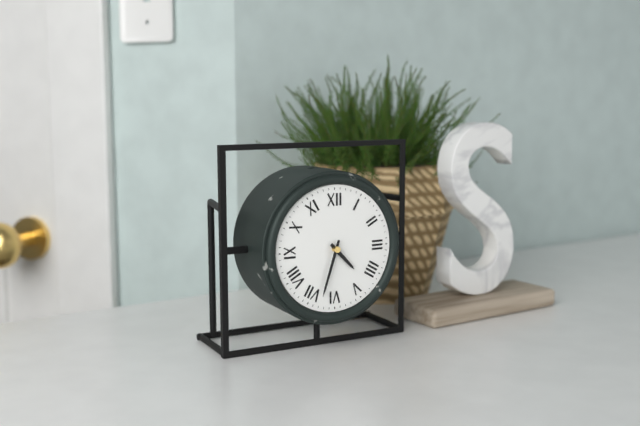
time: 4:33
